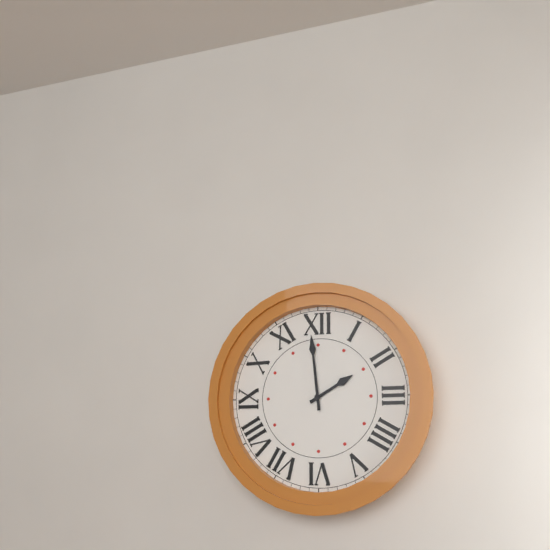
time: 1:59
